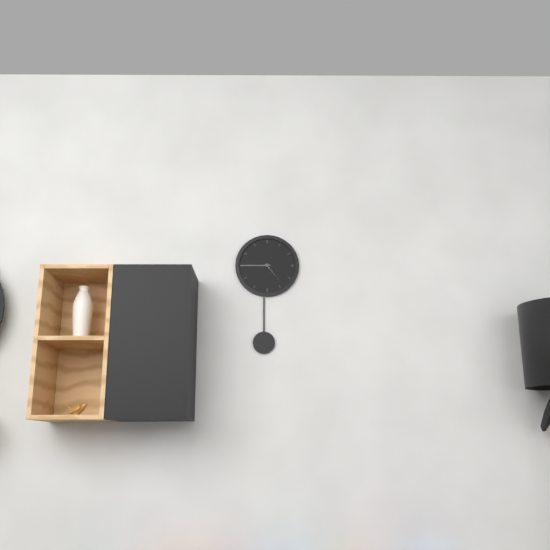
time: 4:45
